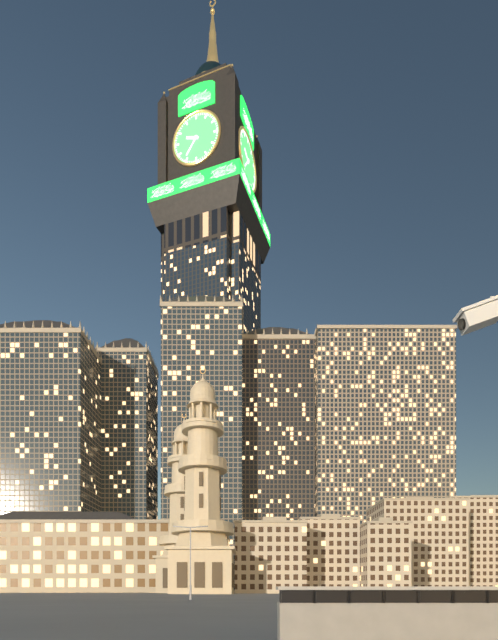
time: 9:36
